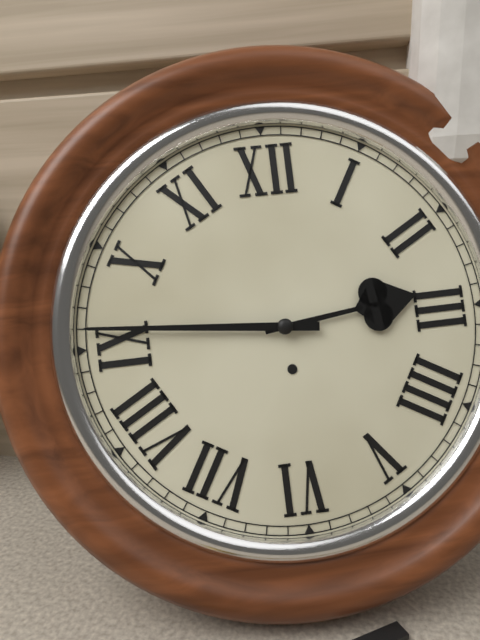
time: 2:46
